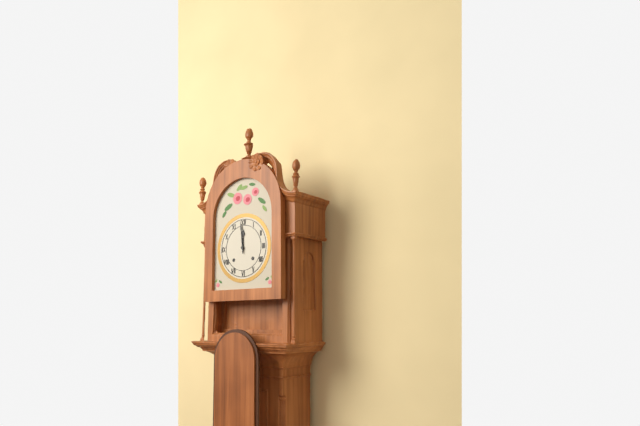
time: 11:59
